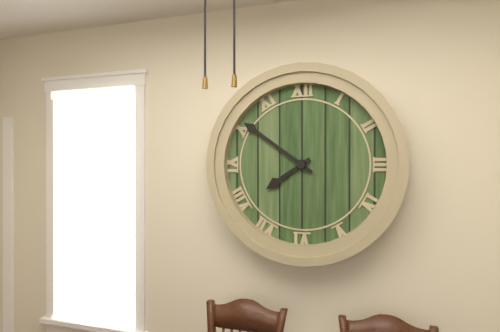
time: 7:51
